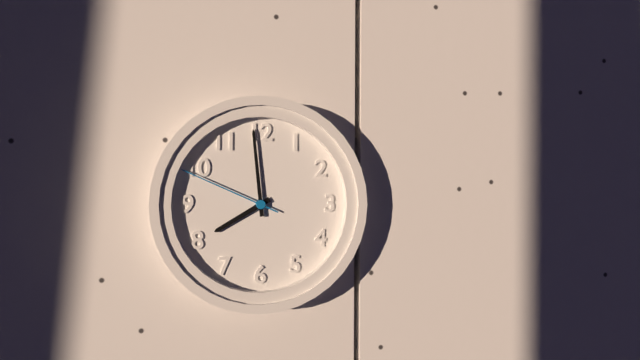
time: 7:59:49
